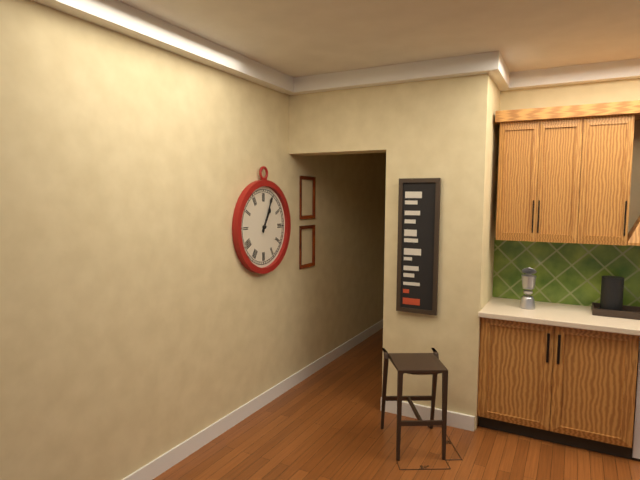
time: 1:04
